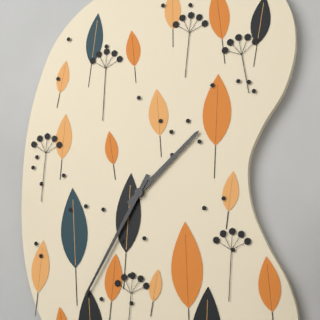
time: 1:35
